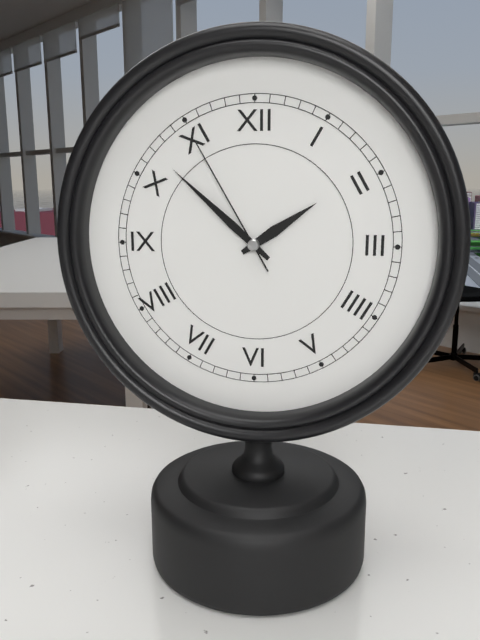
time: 1:52:55
